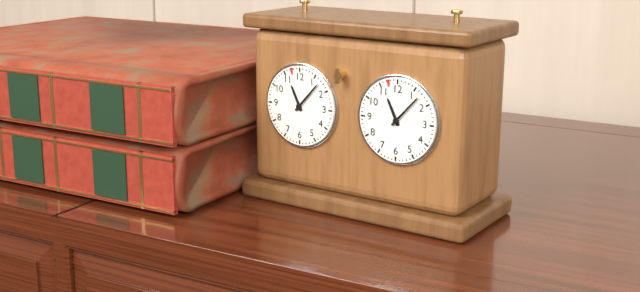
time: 11:07
